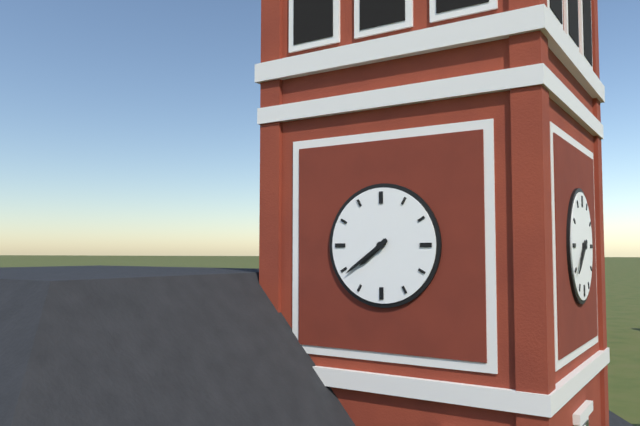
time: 7:39
